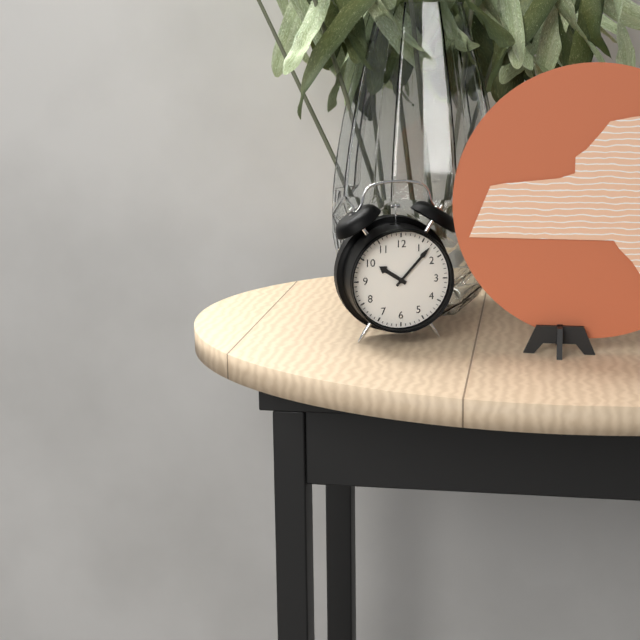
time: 10:07
